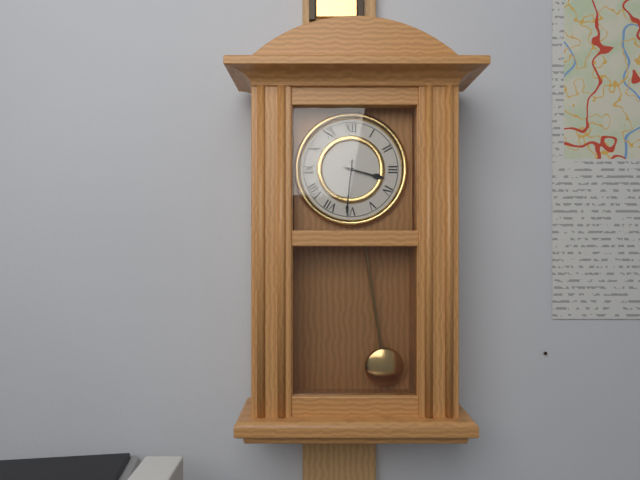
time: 3:31
